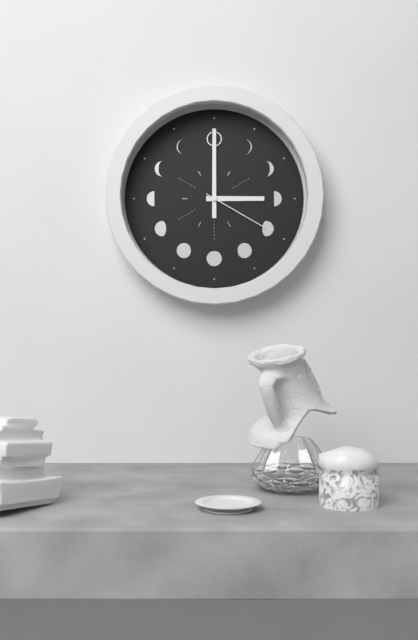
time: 3:00:20
